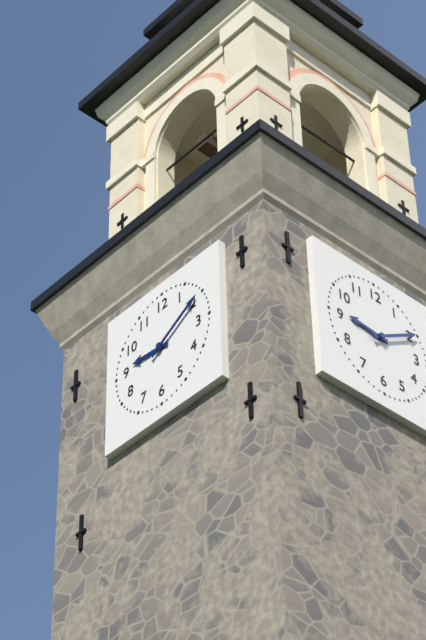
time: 9:10
